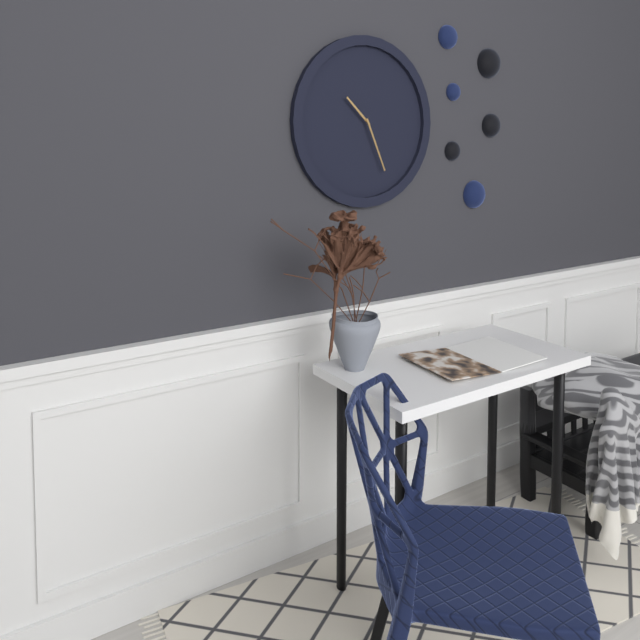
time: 10:26
